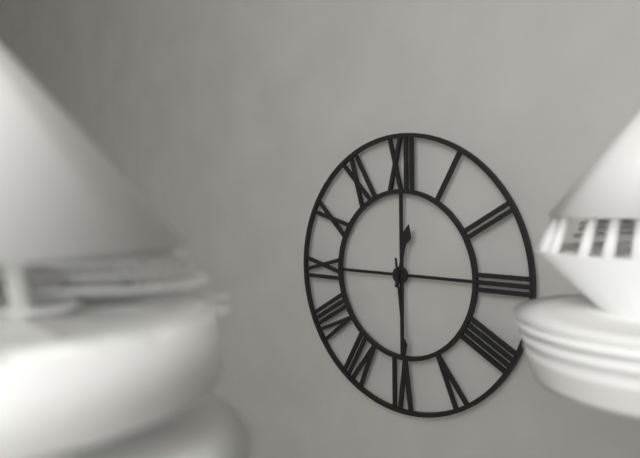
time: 12:29
